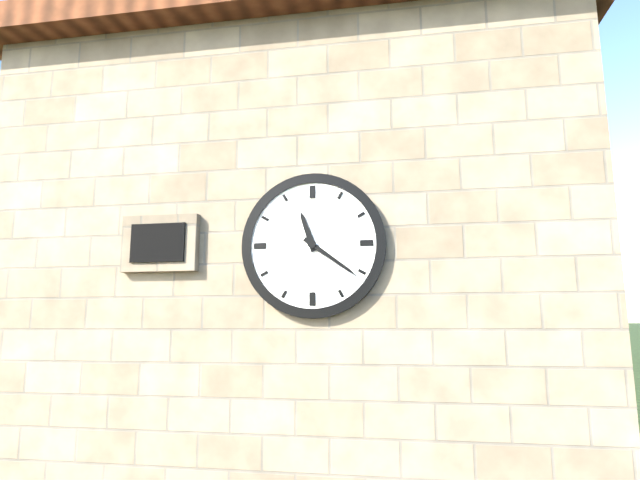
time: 11:21
